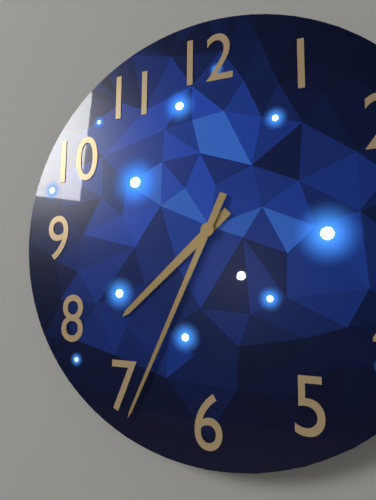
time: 7:34
